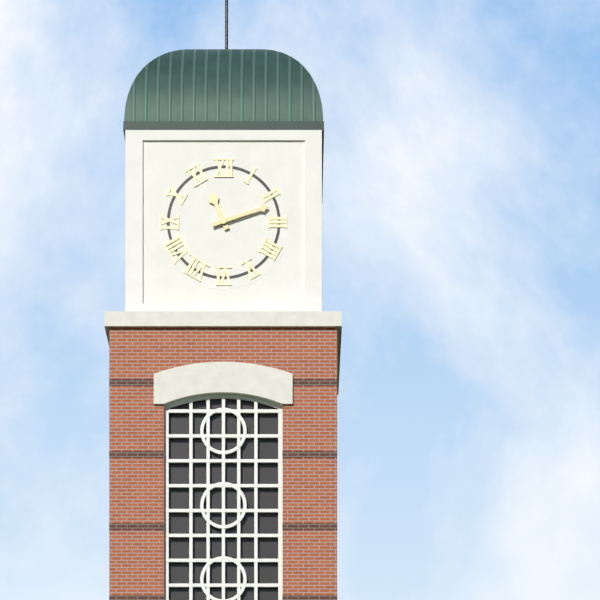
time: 11:12
